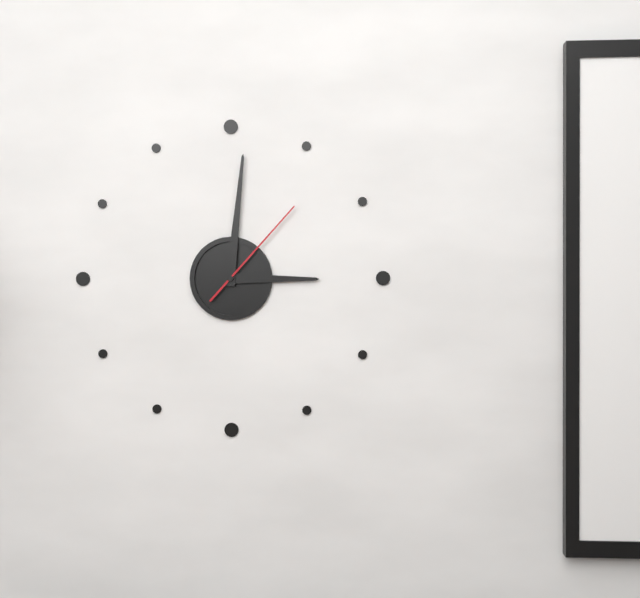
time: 3:01:07
